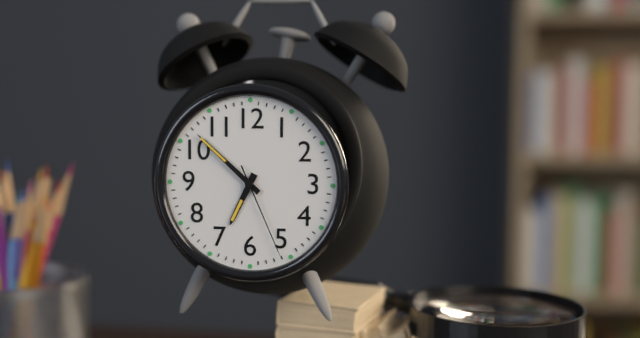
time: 6:52:26
